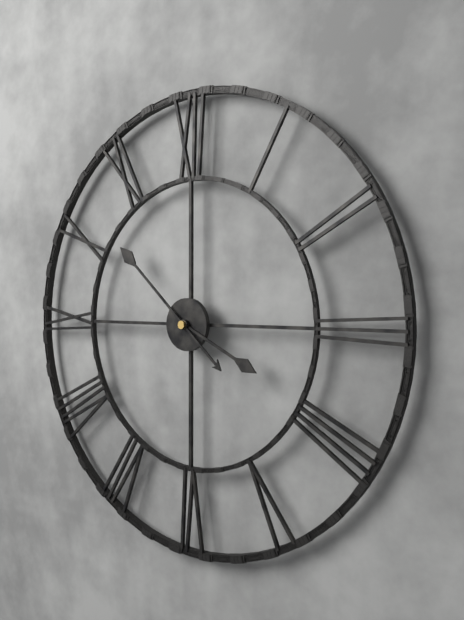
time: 3:52
